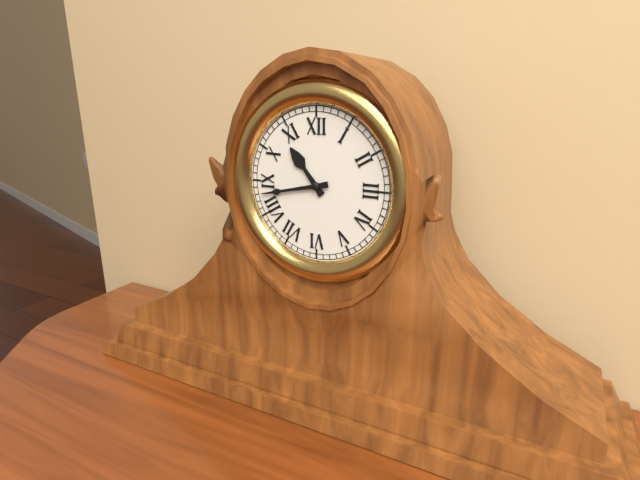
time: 10:43
